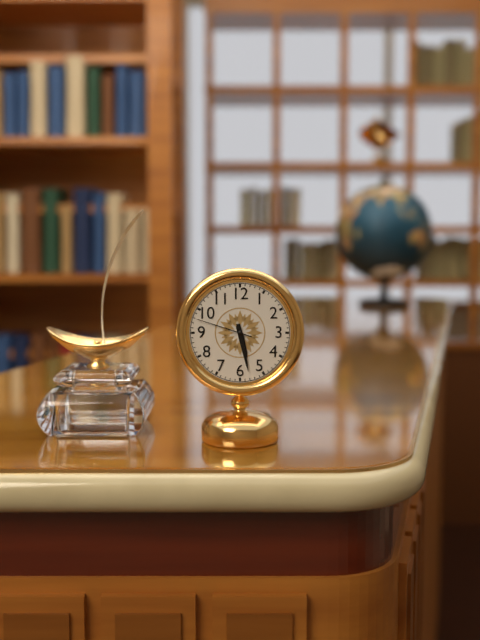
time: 5:28:48
